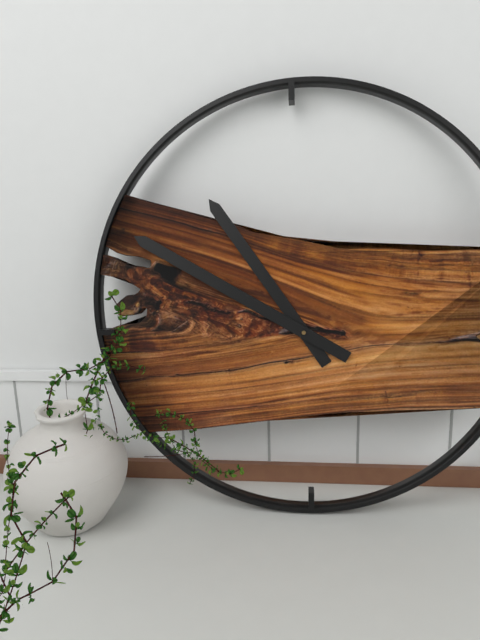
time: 10:50
